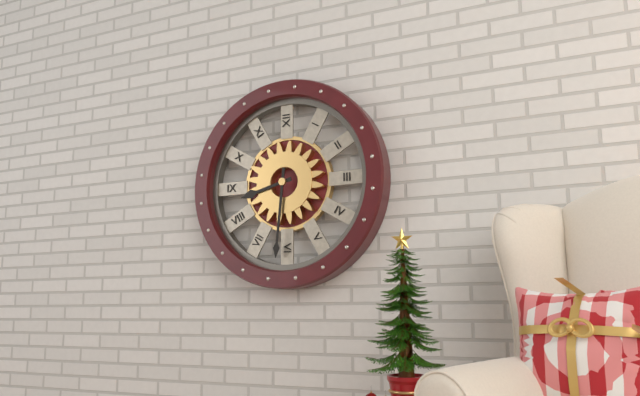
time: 8:31
